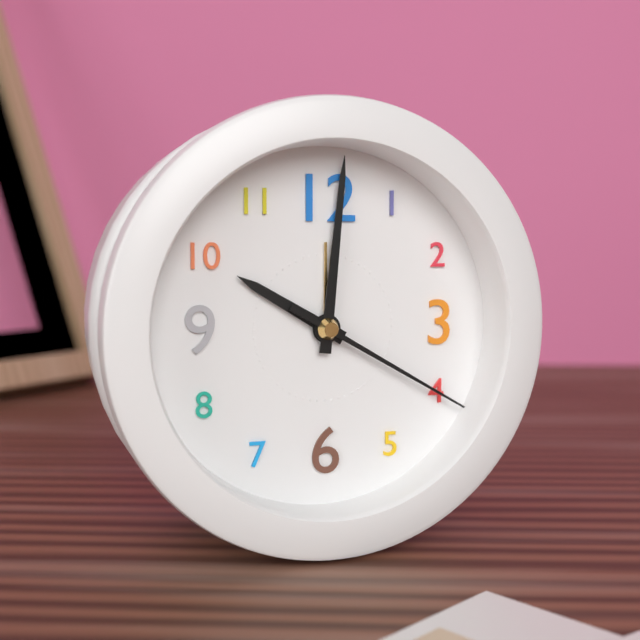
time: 10:01:20
